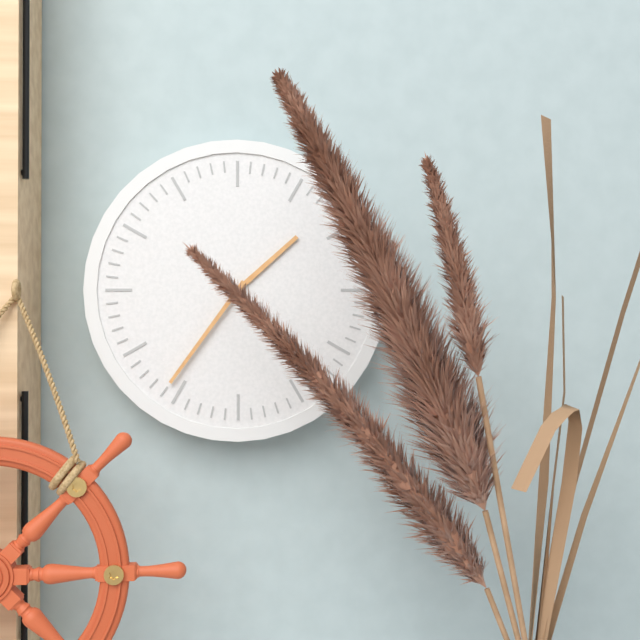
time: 1:36
